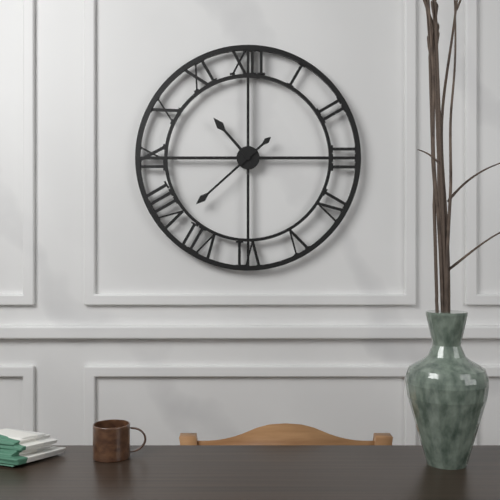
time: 10:38
